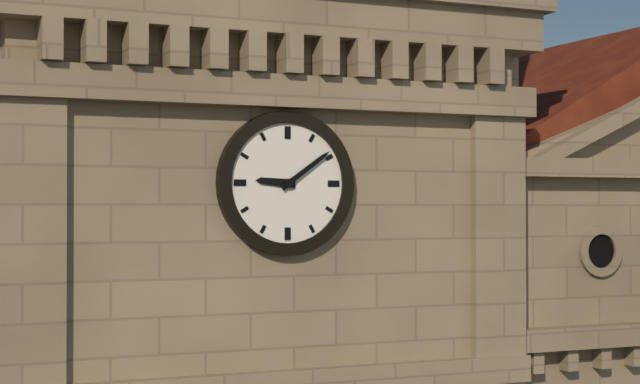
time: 9:09
